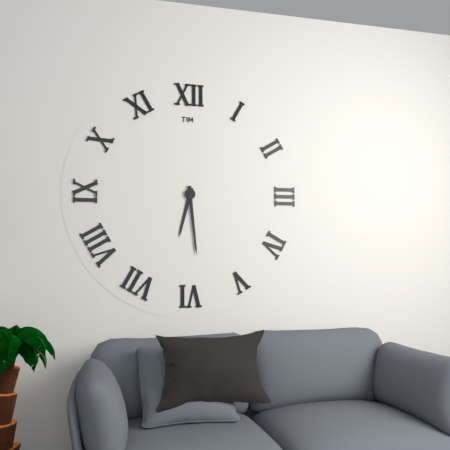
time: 6:29
